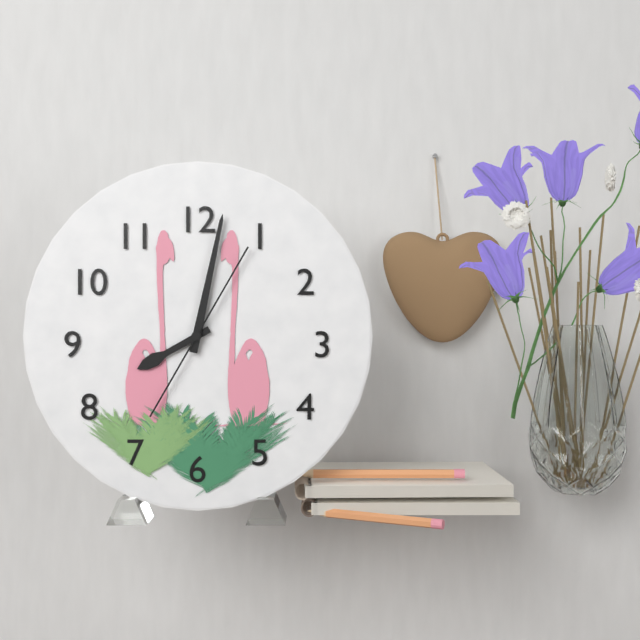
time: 8:02:05
